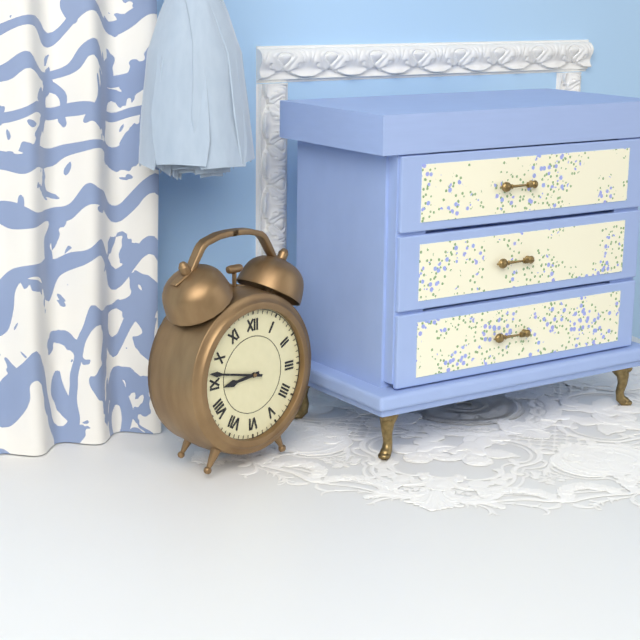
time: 8:47
